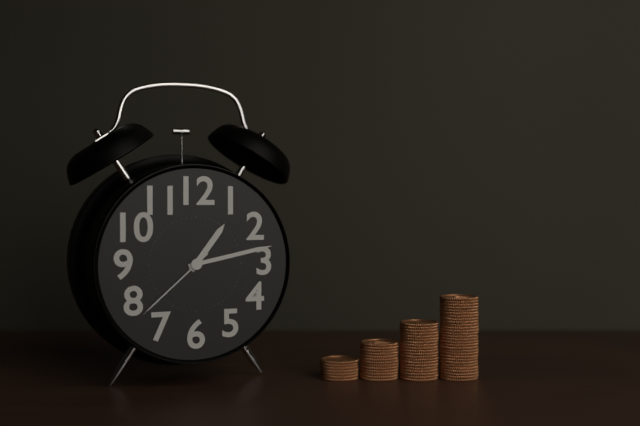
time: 1:13:38
